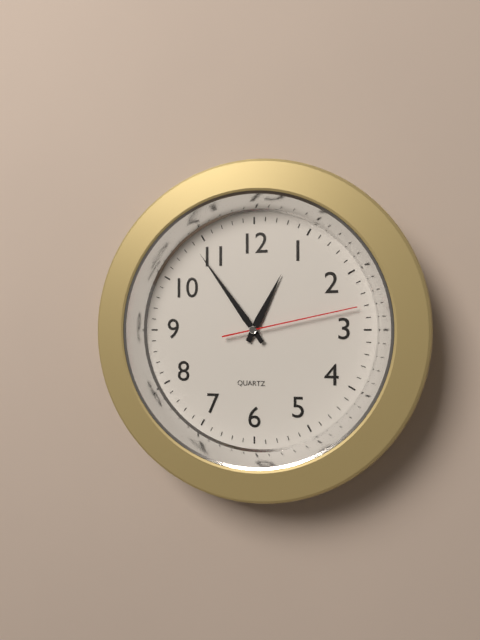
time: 12:54:13
